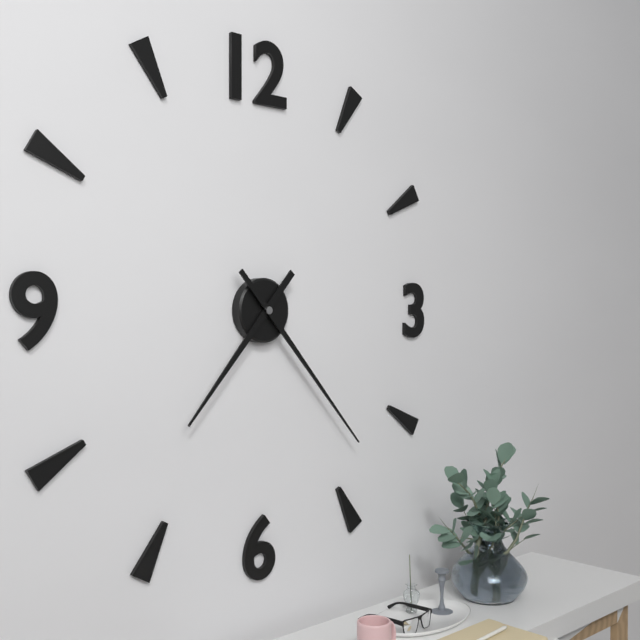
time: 7:23
